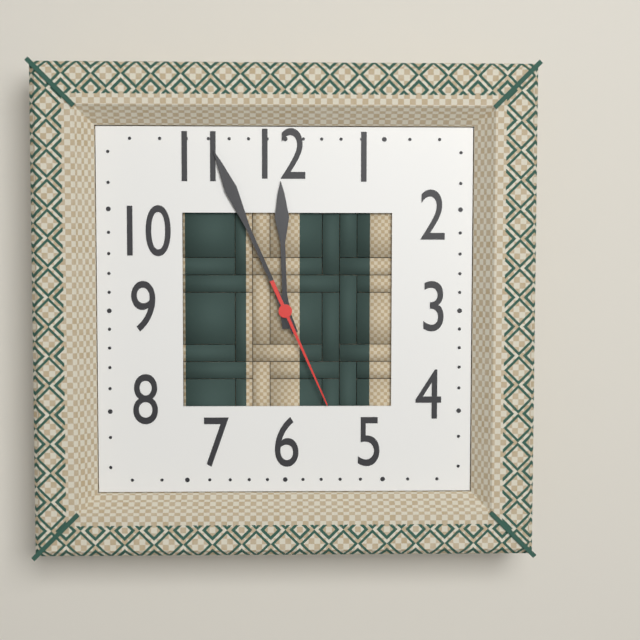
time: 11:56:26
